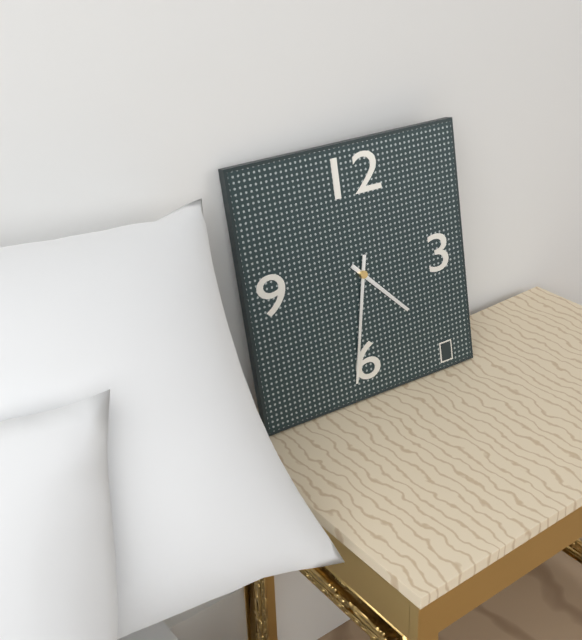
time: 4:32
